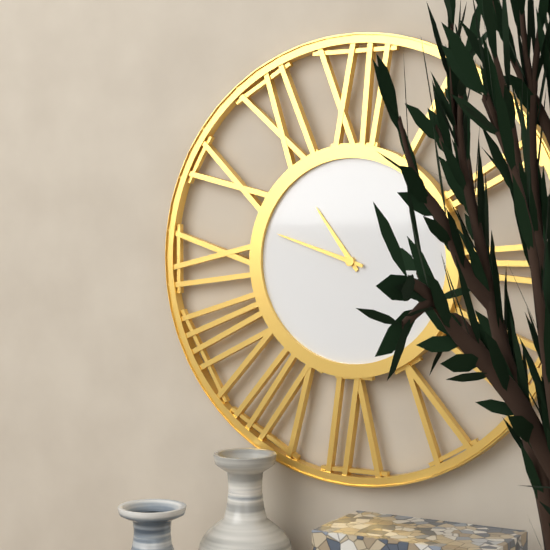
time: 10:48
